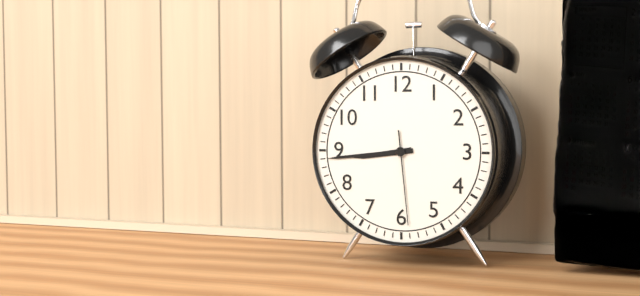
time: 8:44:29
